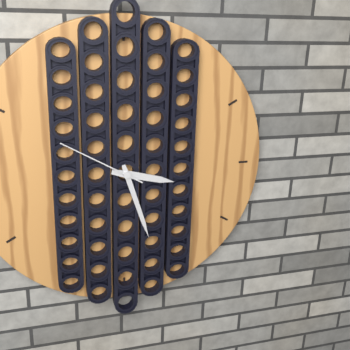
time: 3:27:50
